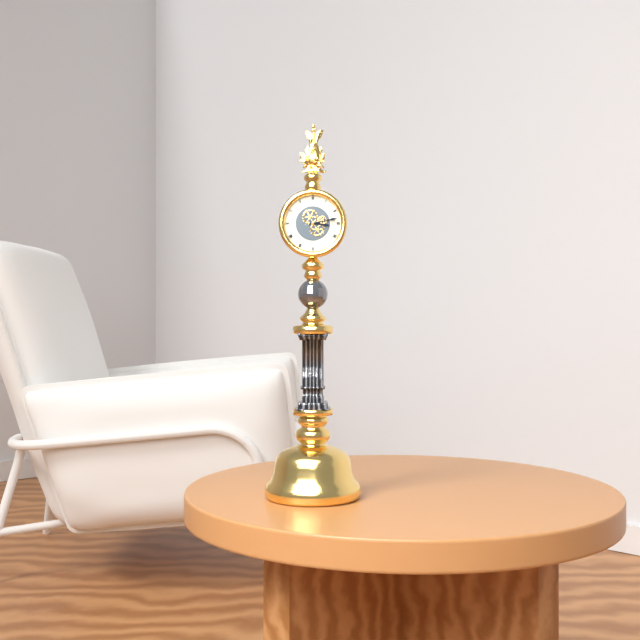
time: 3:13
